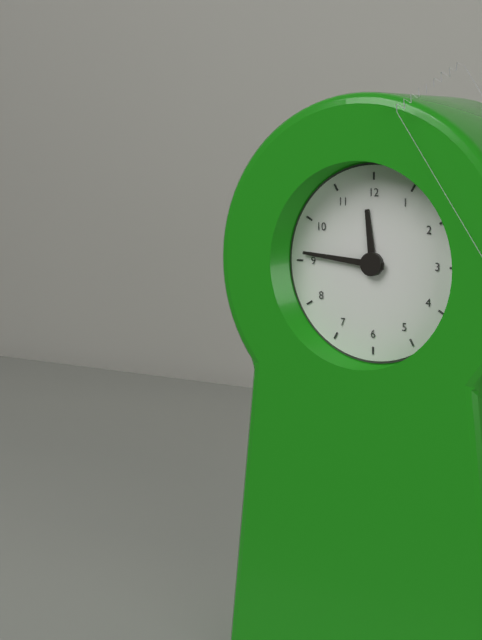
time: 11:46
